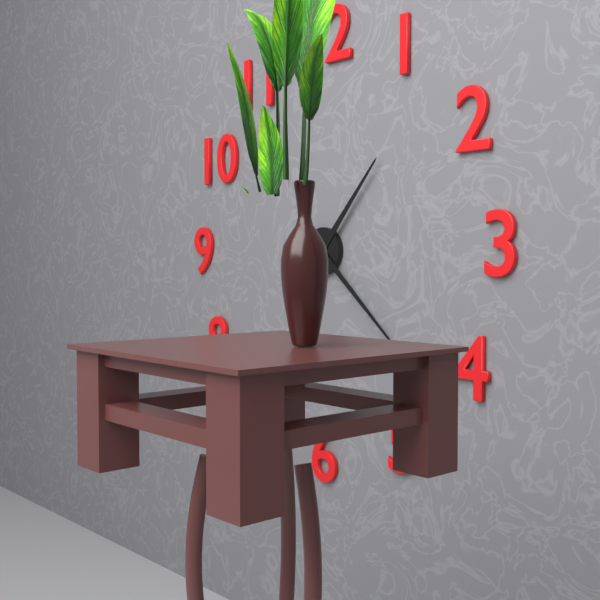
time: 1:22
